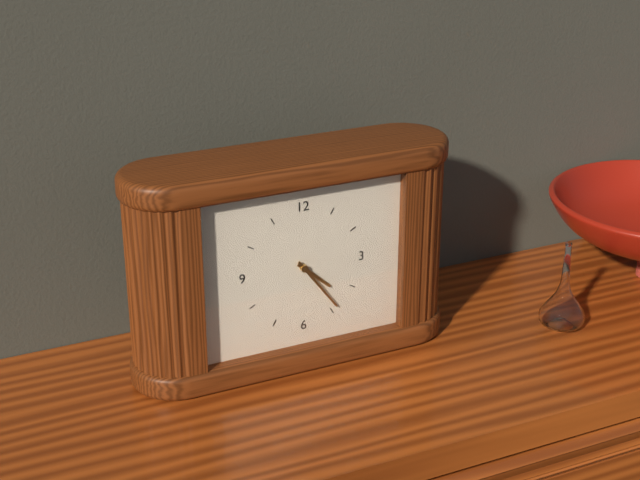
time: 4:24
